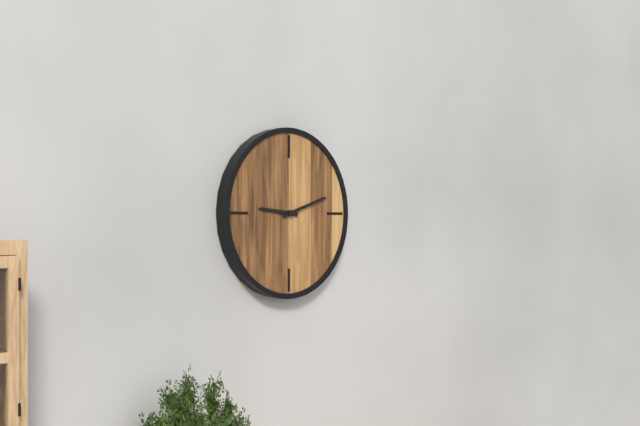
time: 9:12
